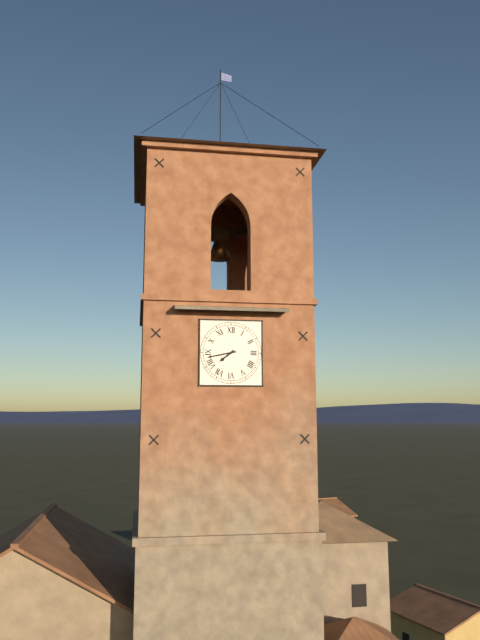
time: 7:43
